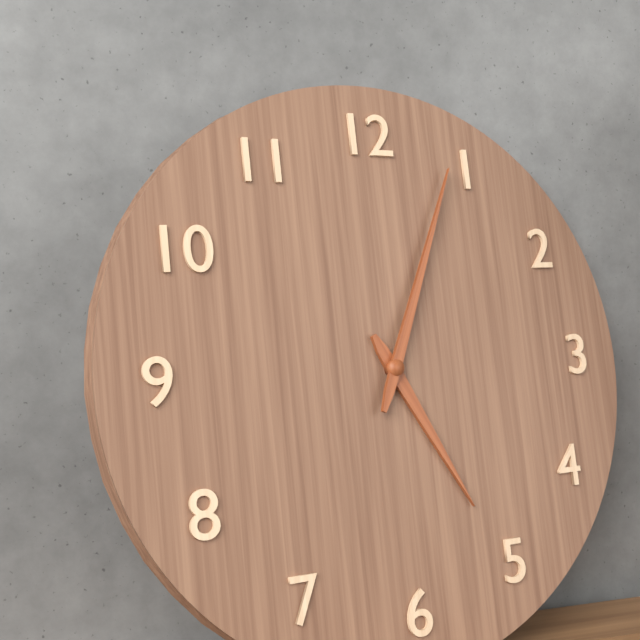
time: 5:04
